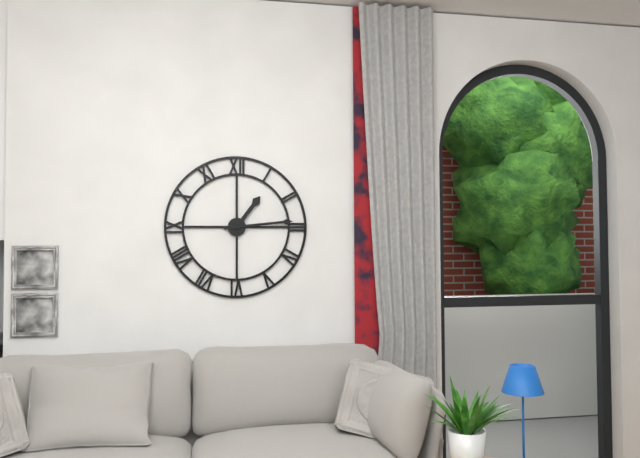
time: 1:14
